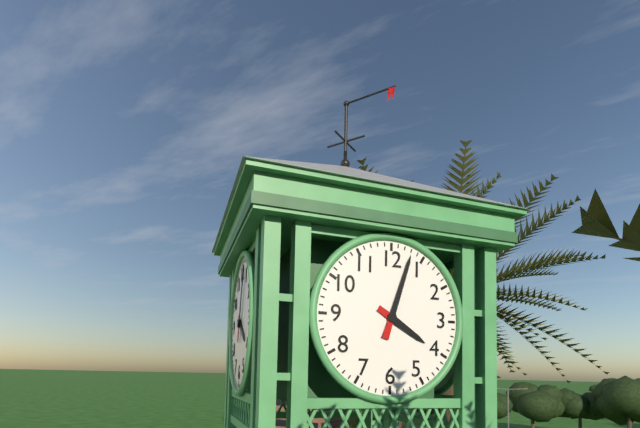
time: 4:03
